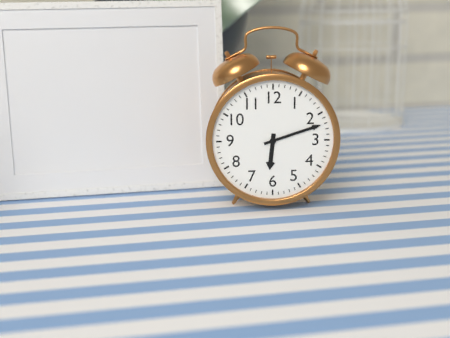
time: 6:12
